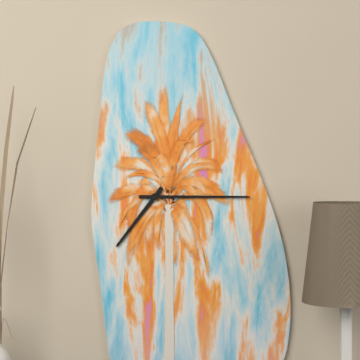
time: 7:15
